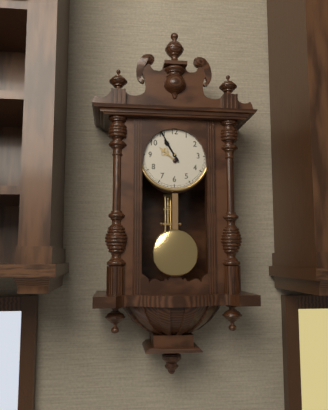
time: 10:55
